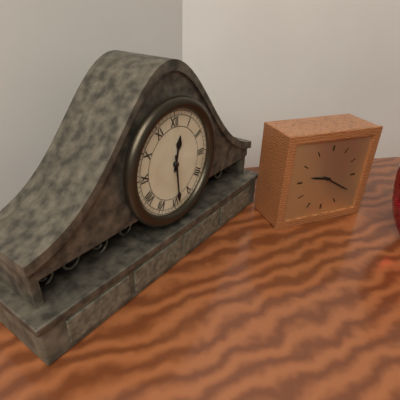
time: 12:29
